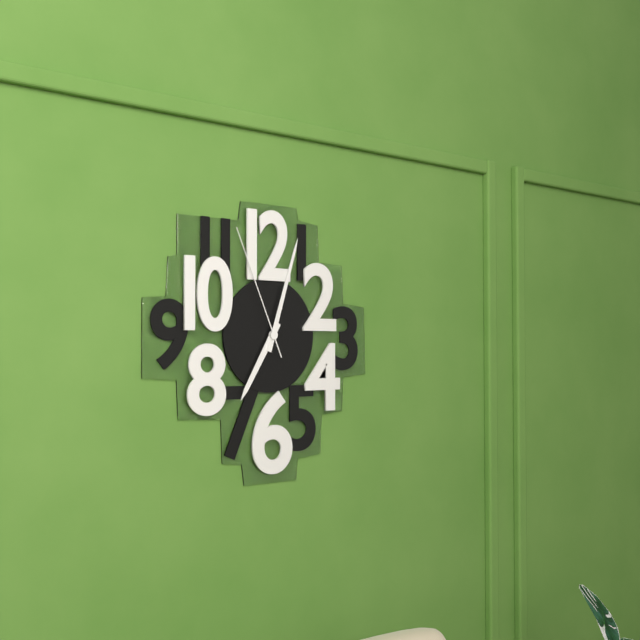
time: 7:03:56
